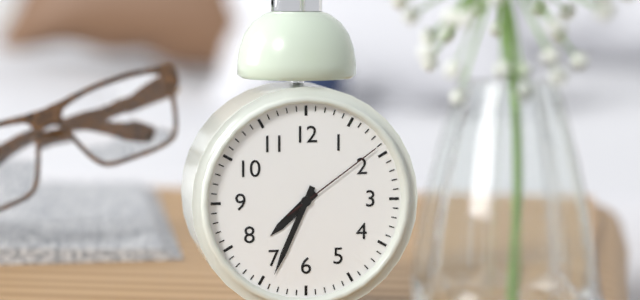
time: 7:34:09
